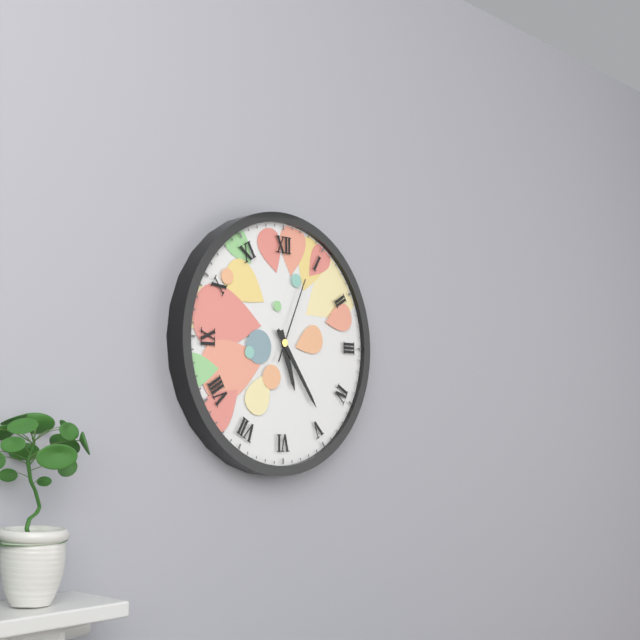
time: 5:24:04
